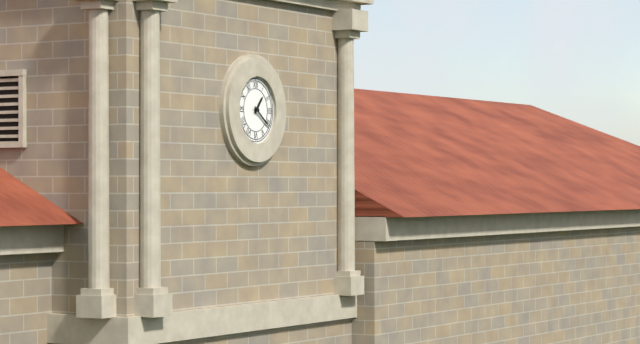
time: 1:21
